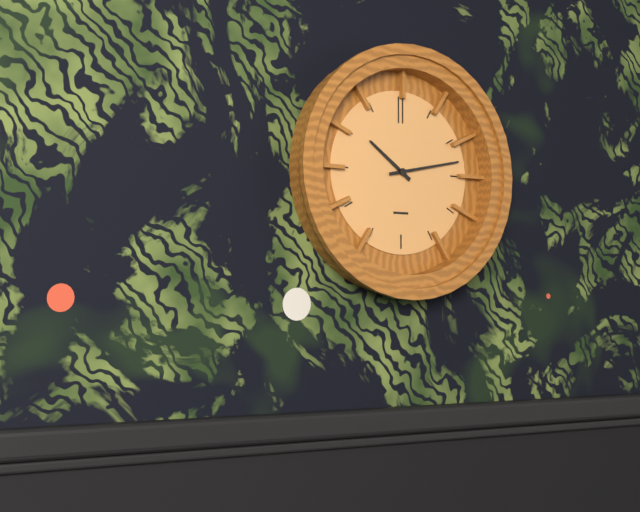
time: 10:13
